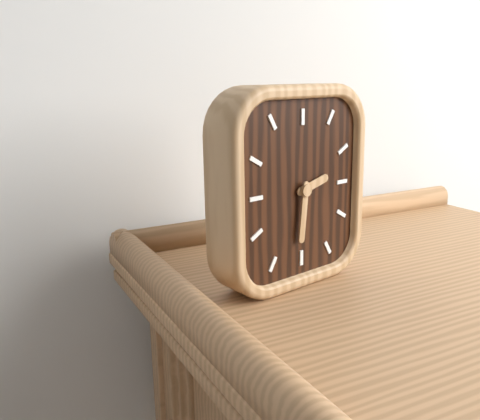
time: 2:31
